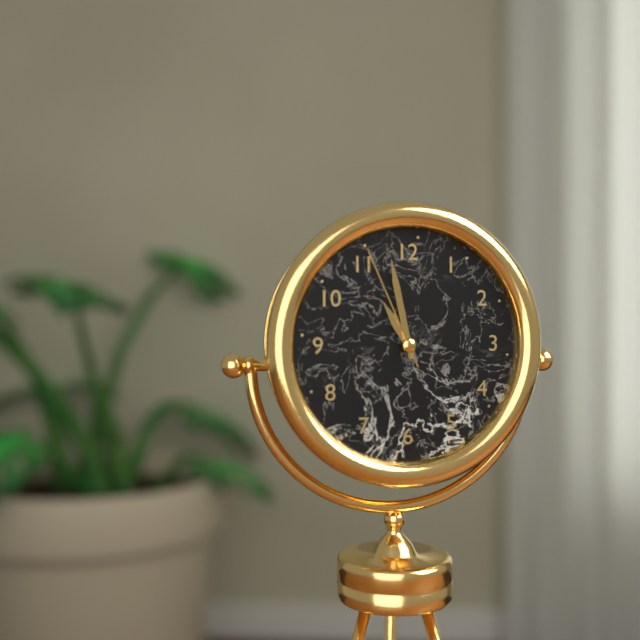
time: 10:58:56
